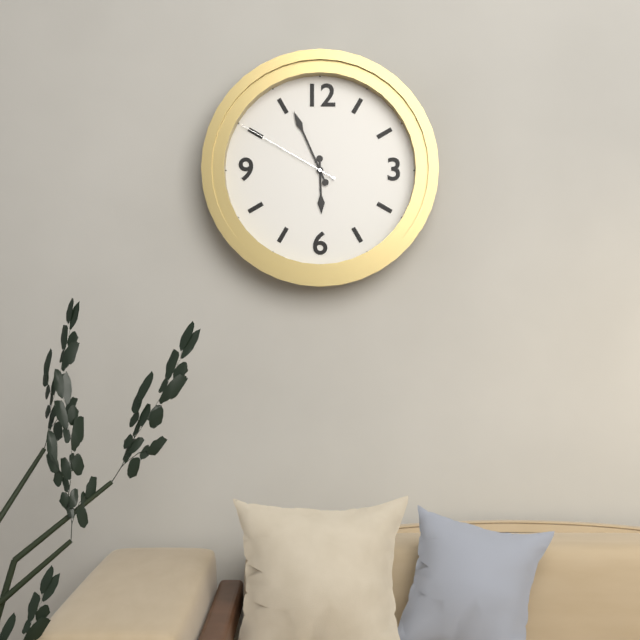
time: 5:56:50
